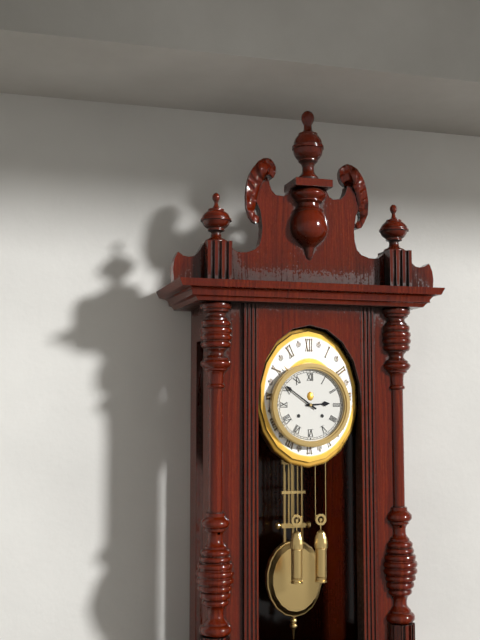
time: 2:51
